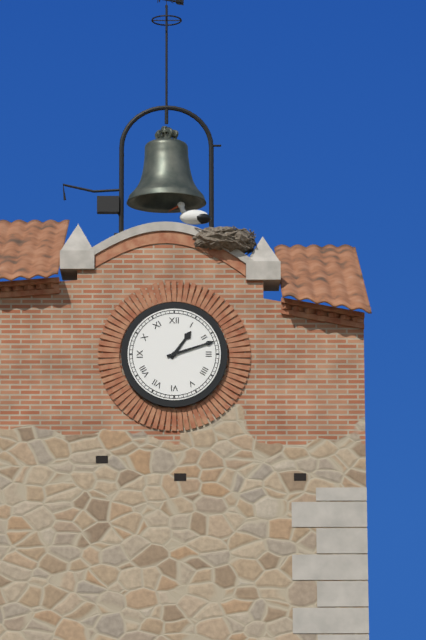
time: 1:12
